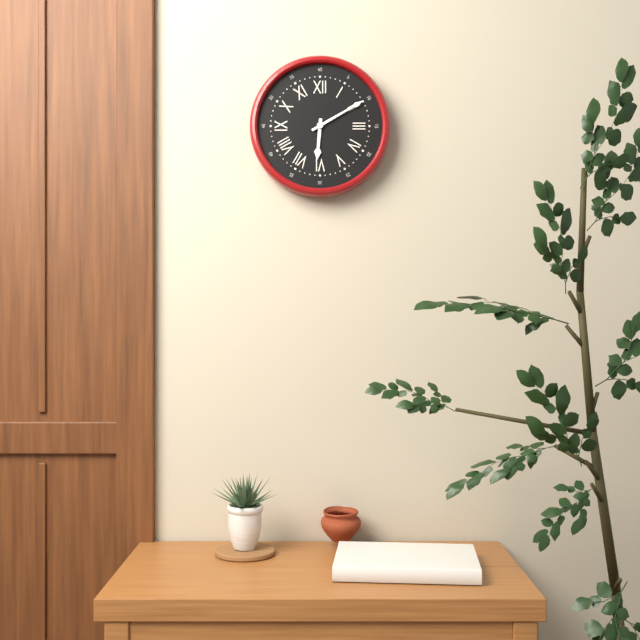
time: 6:10
